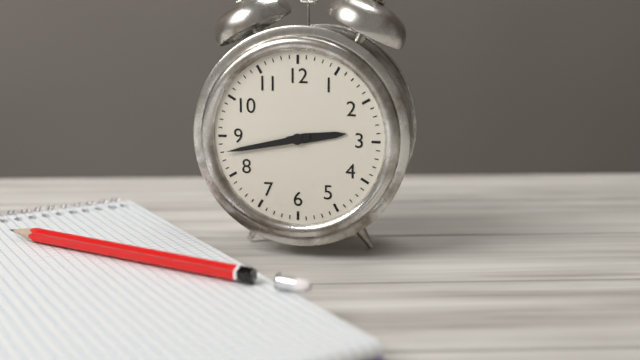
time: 2:43
